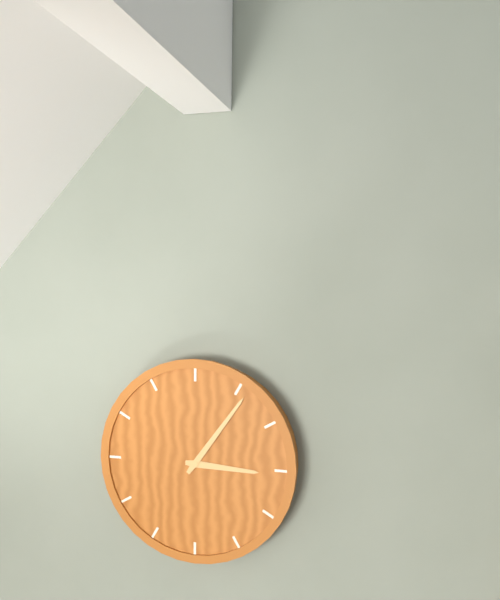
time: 3:06
